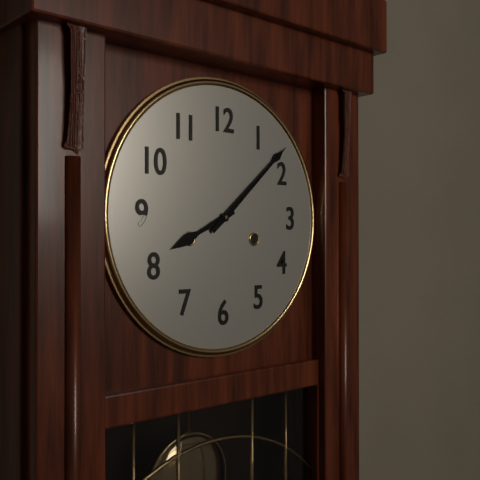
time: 8:08
